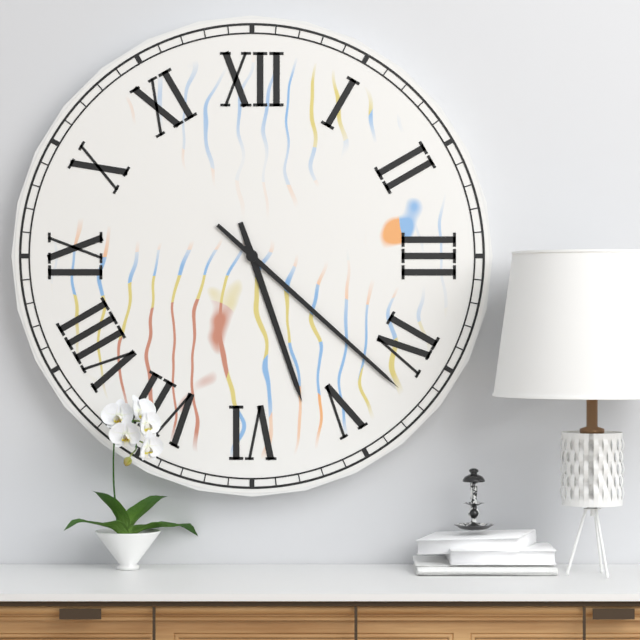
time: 5:22
